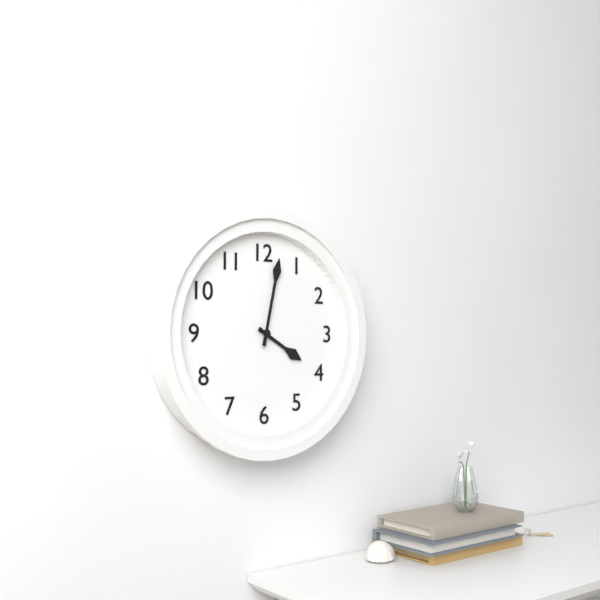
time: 4:02
